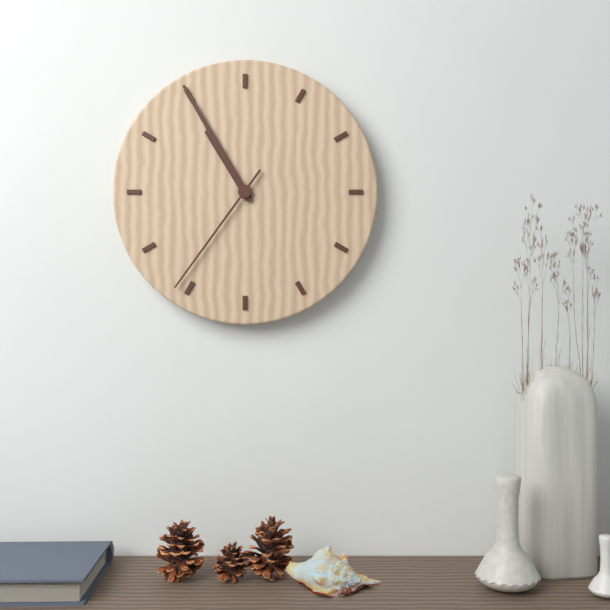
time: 10:55:36
